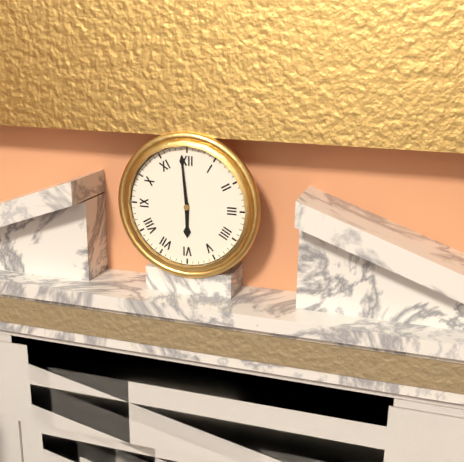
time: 5:59
